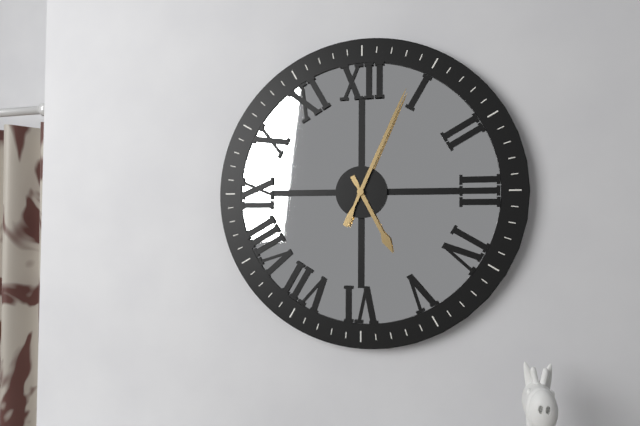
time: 5:04
